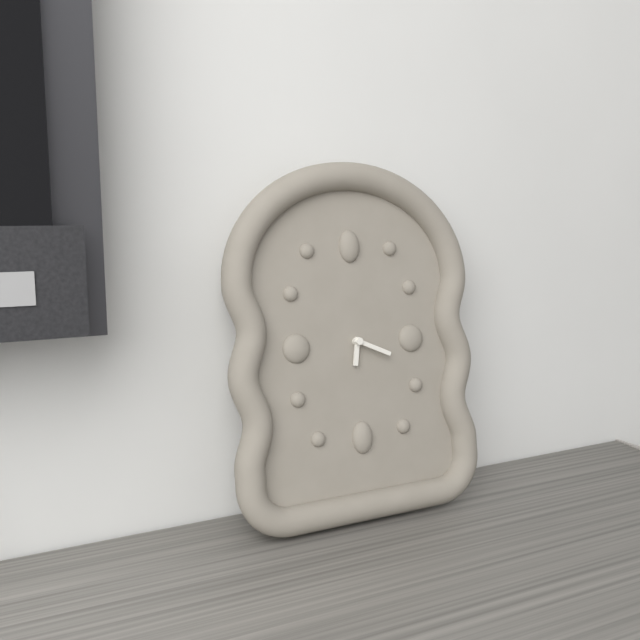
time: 6:19
